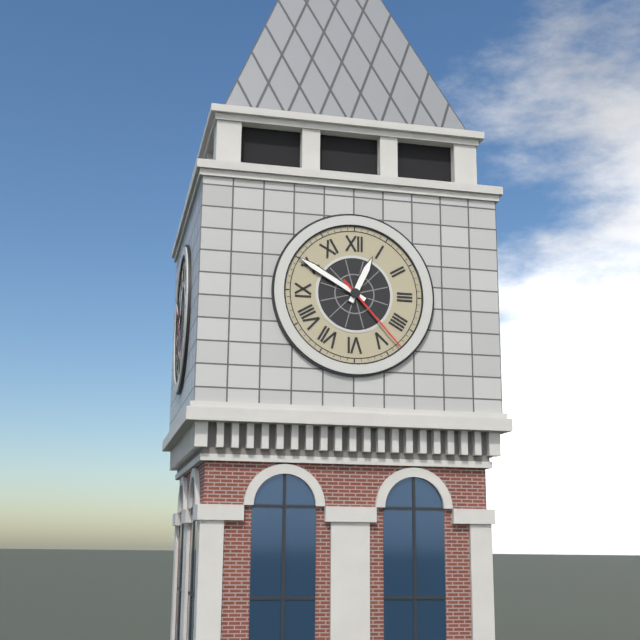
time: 12:50:23
